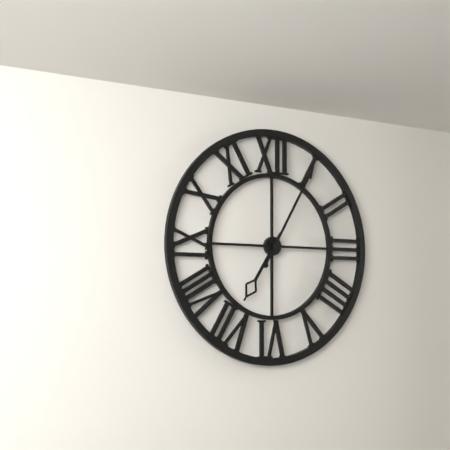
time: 7:05
